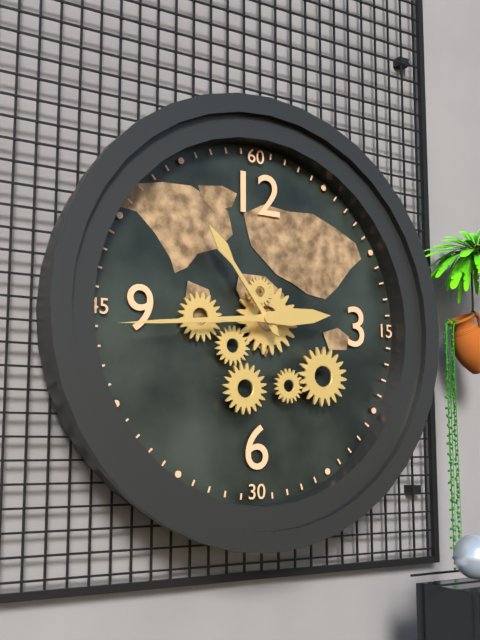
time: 10:44
